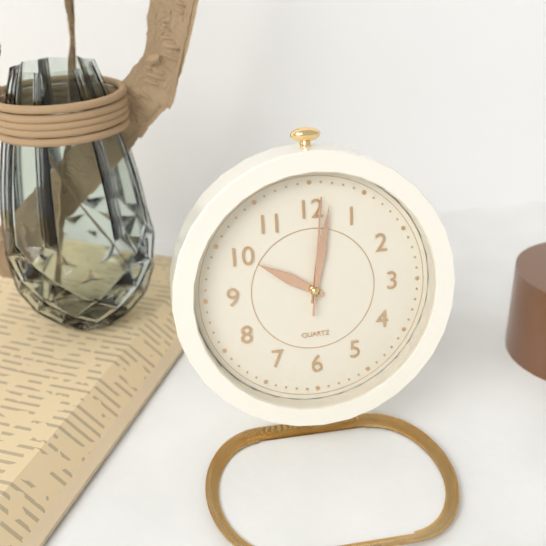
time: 10:02:01
